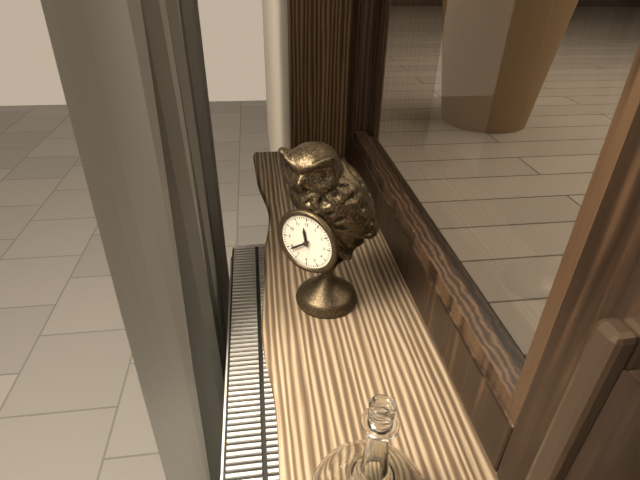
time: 11:39
